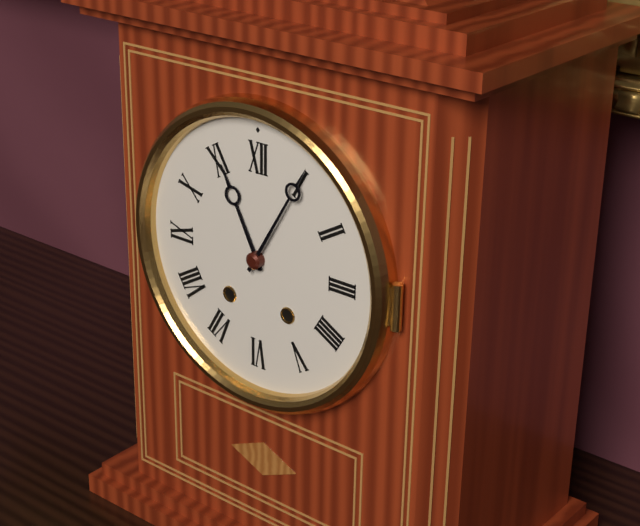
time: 11:05
